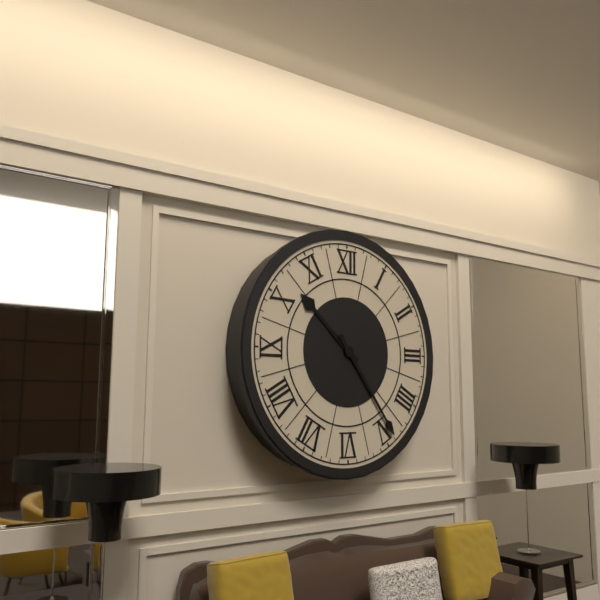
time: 10:24
